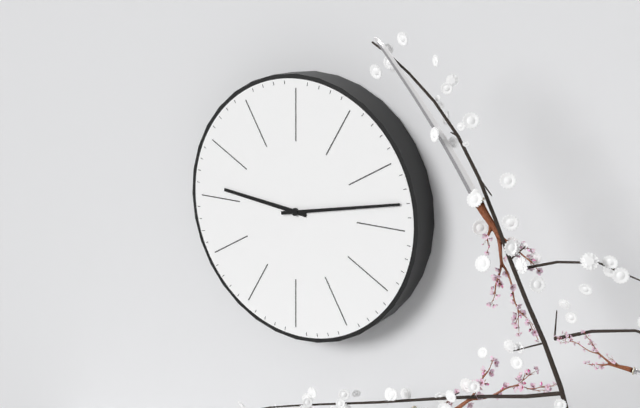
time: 9:13
